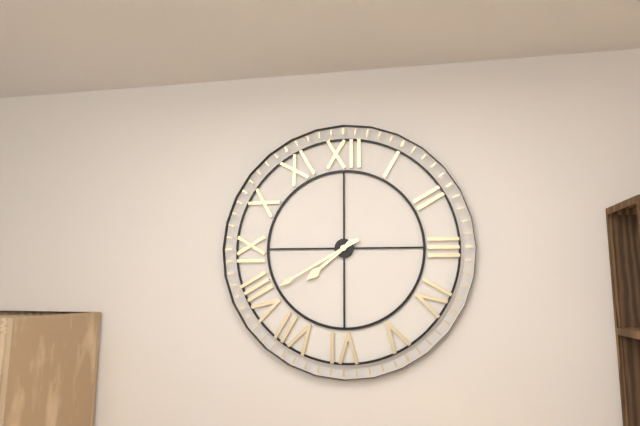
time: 7:40
